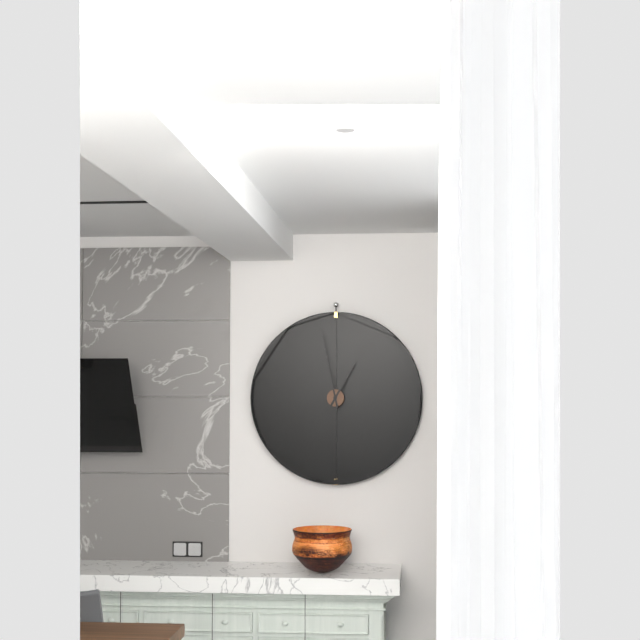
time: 12:58
